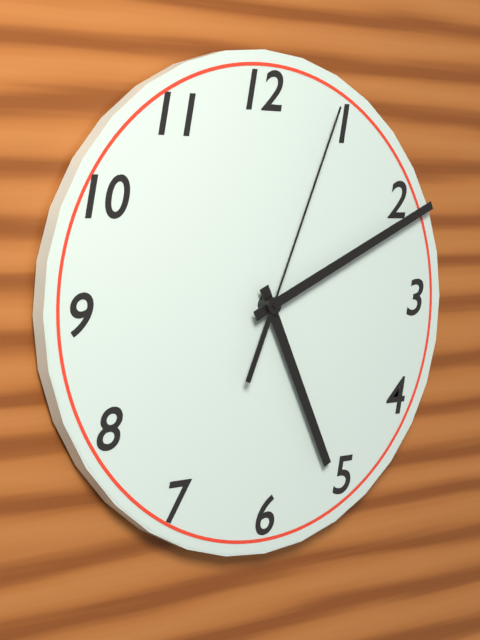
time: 5:11:04
